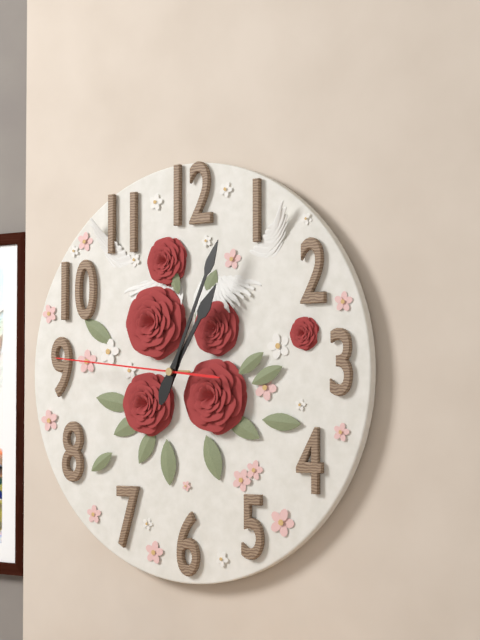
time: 1:04:46
